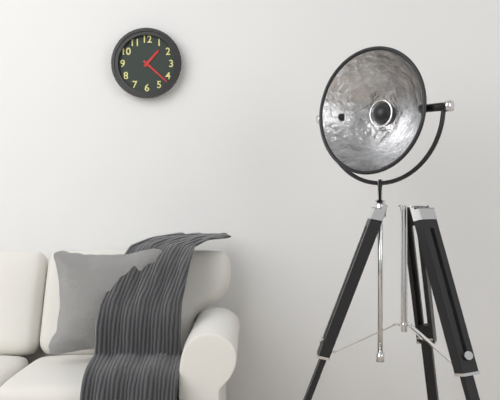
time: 1:22
